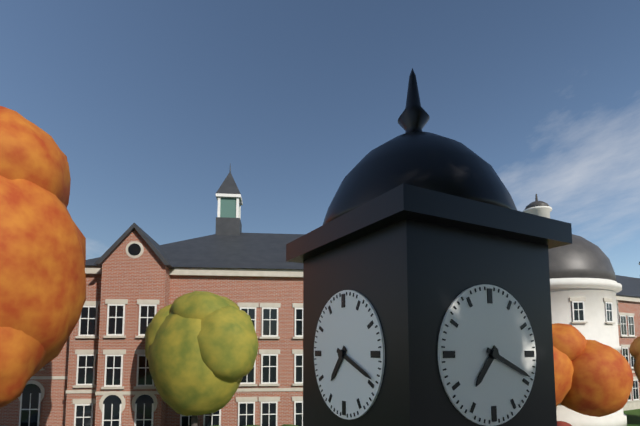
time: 7:19
